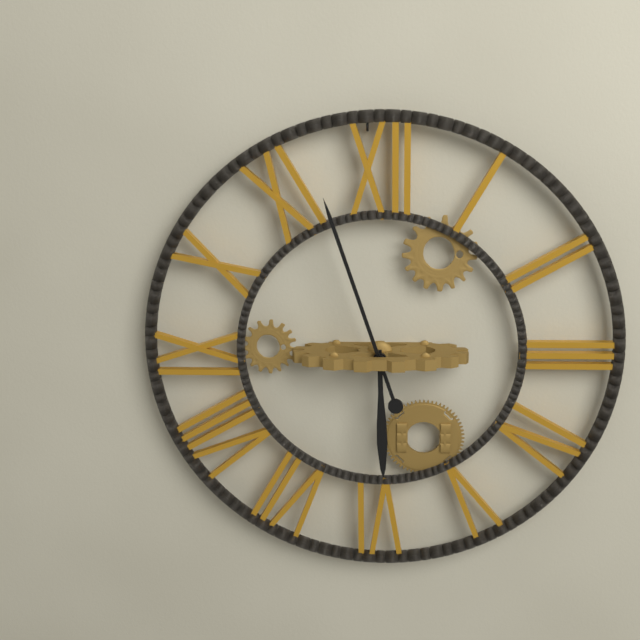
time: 5:57
